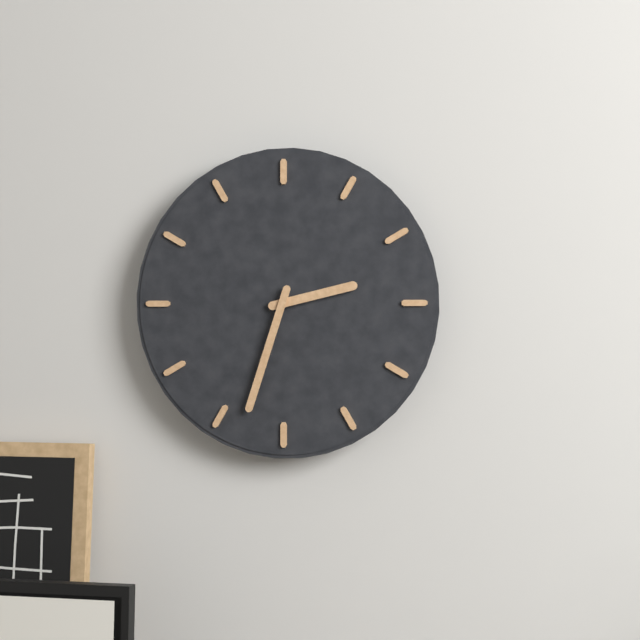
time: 2:33
